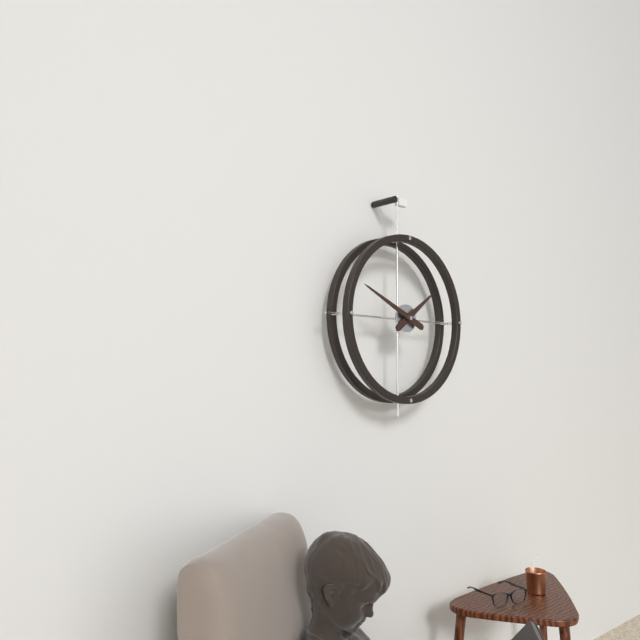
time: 1:49
